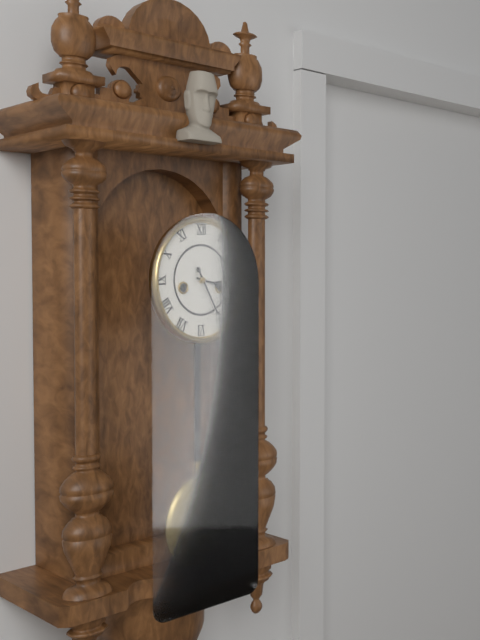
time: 3:25
